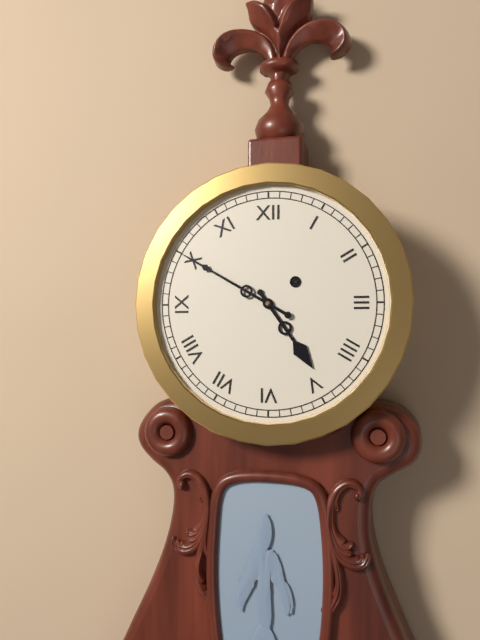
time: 4:50
